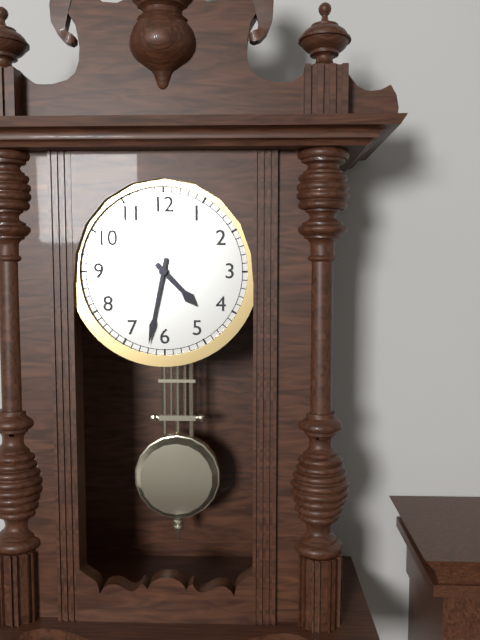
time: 4:32
